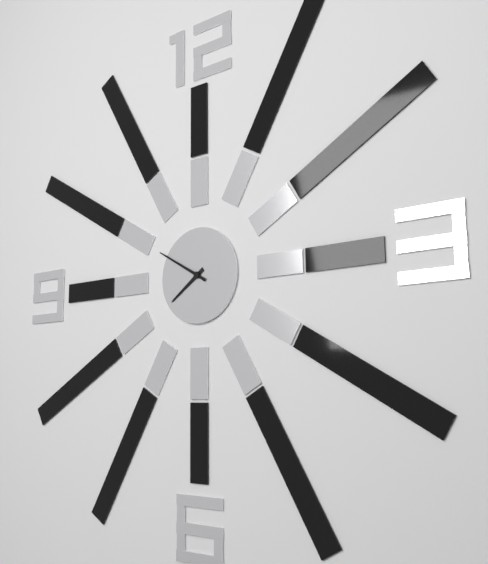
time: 7:50
